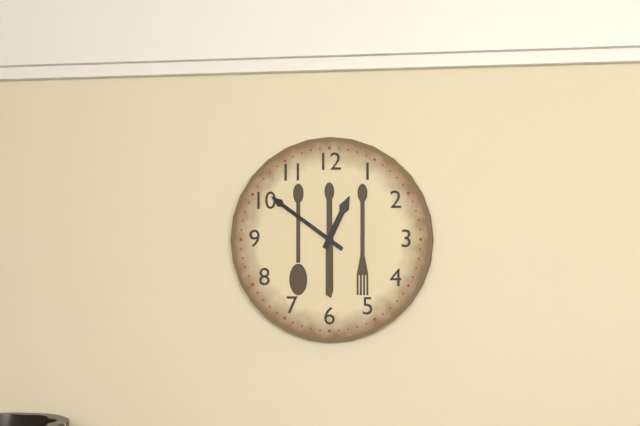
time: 12:51
